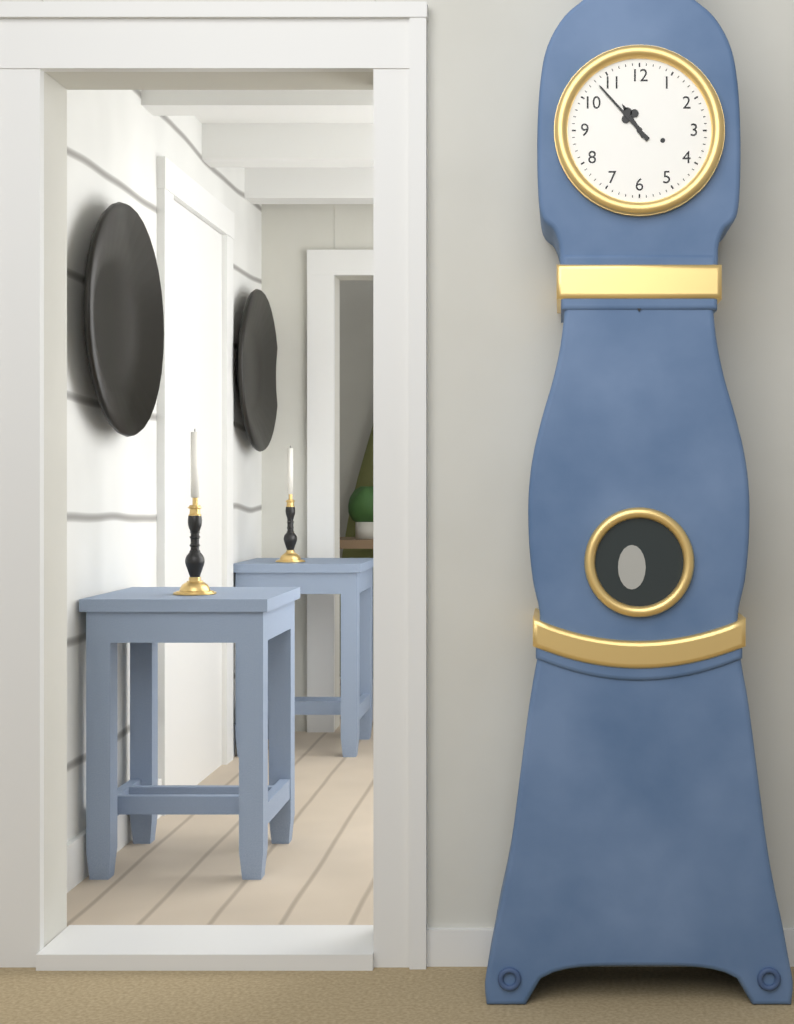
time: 10:53
